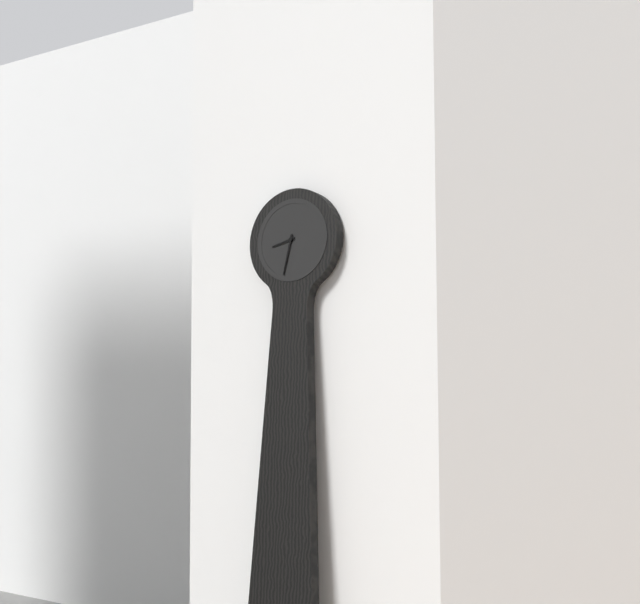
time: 8:32
